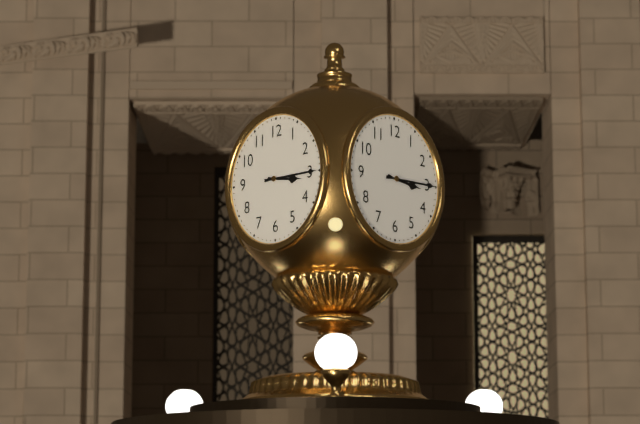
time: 3:15
